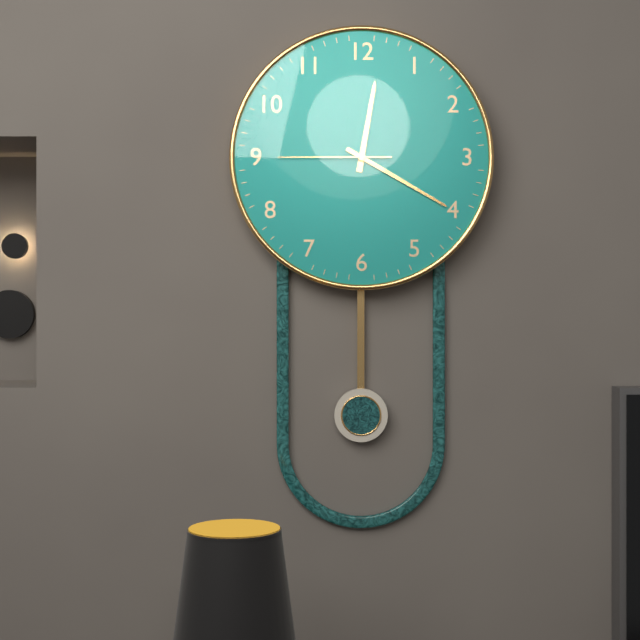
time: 12:20:45
